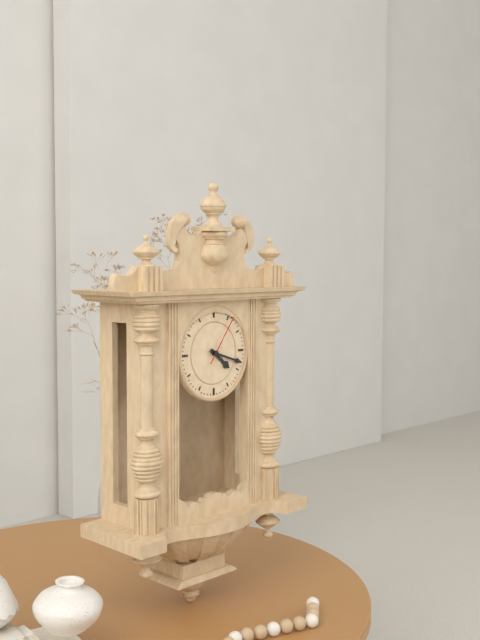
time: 4:18:06
